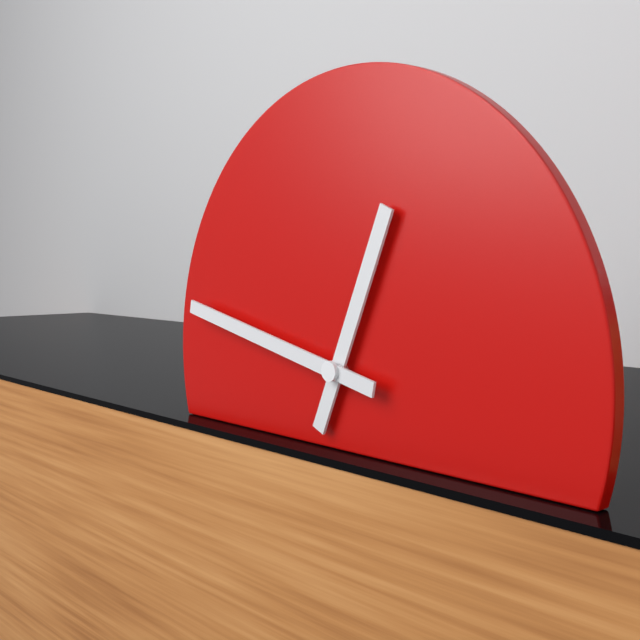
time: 12:47
